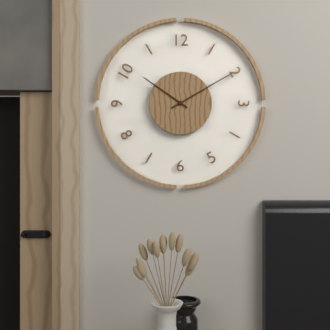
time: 10:10
